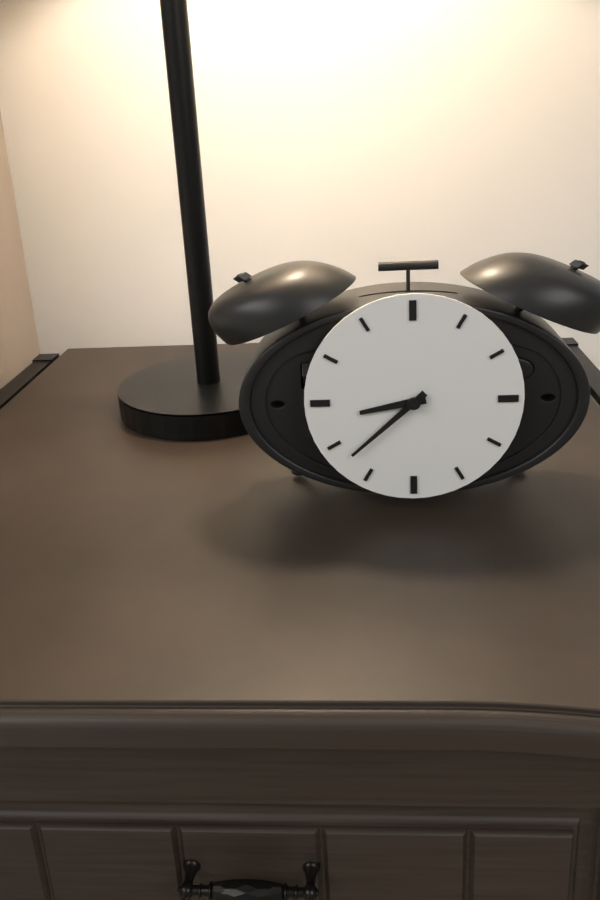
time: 8:38
